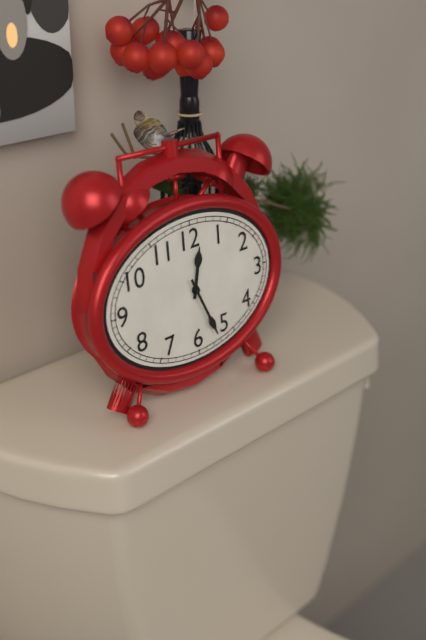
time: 12:26
